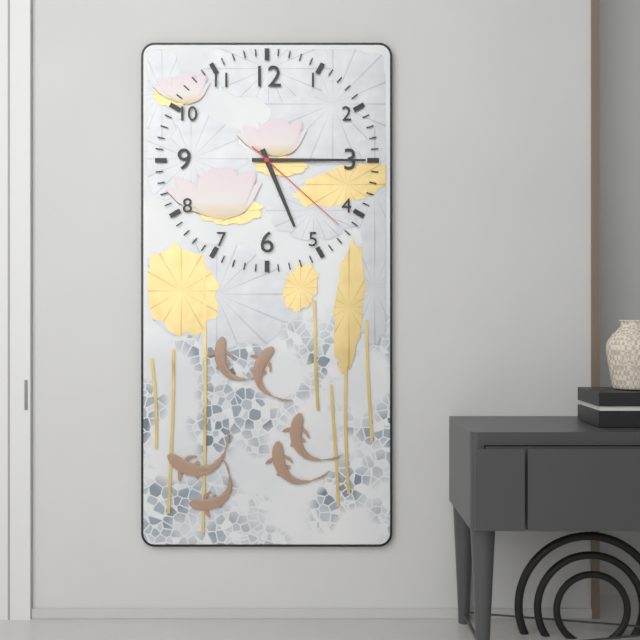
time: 5:15:22
